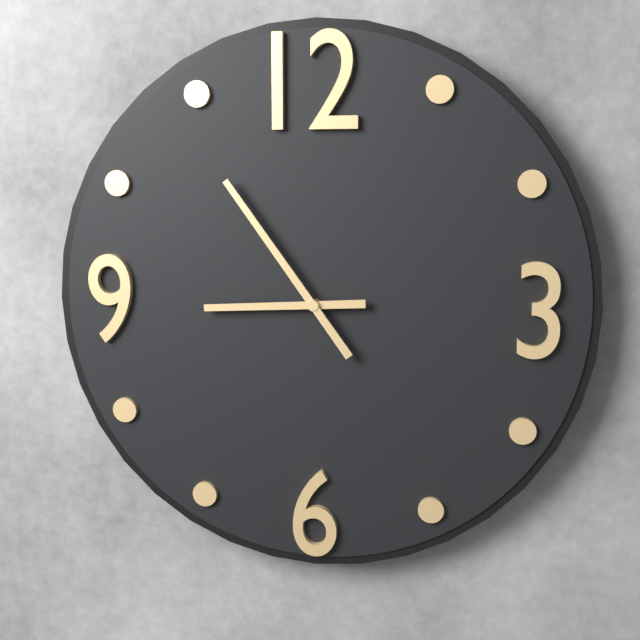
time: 8:54
